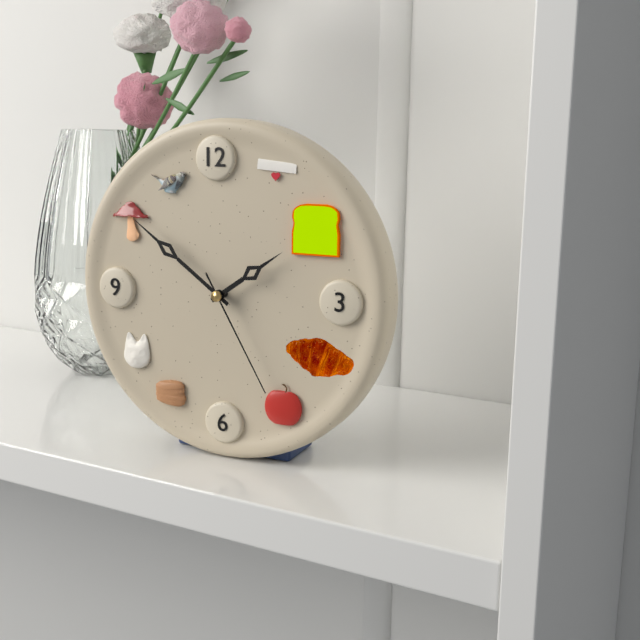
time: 1:51:25
